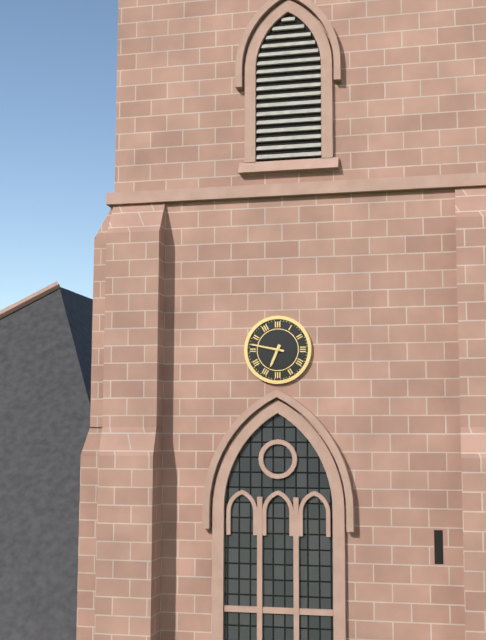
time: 6:47
